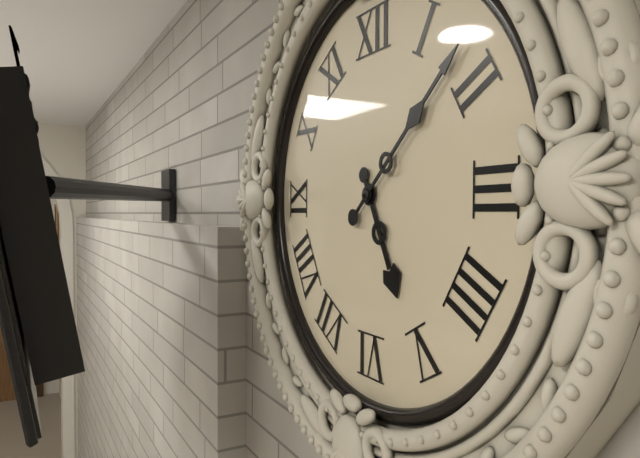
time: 5:08
